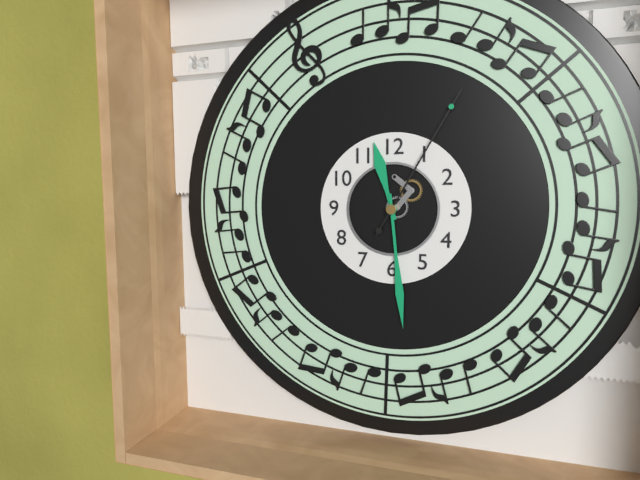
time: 11:29:05
